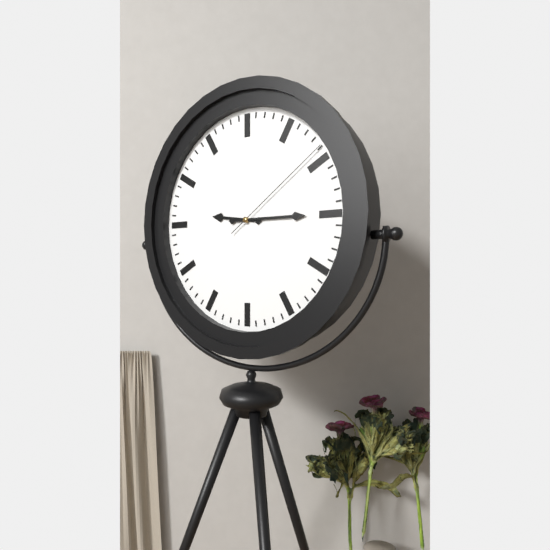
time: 9:15:09
